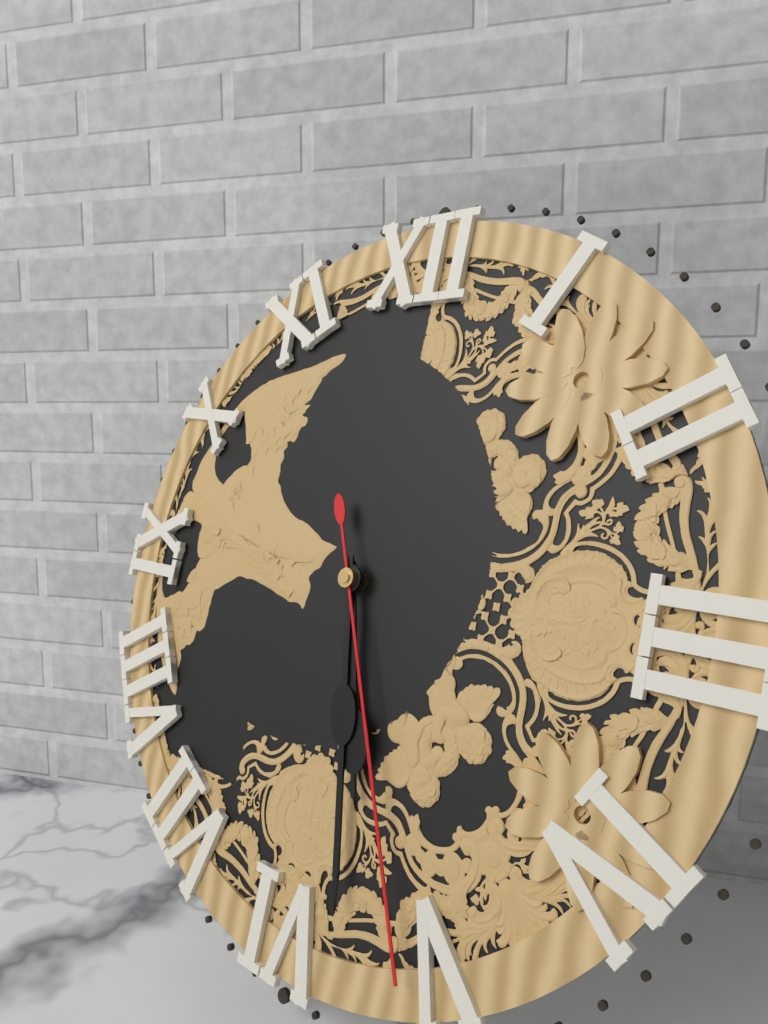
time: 5:28:26
